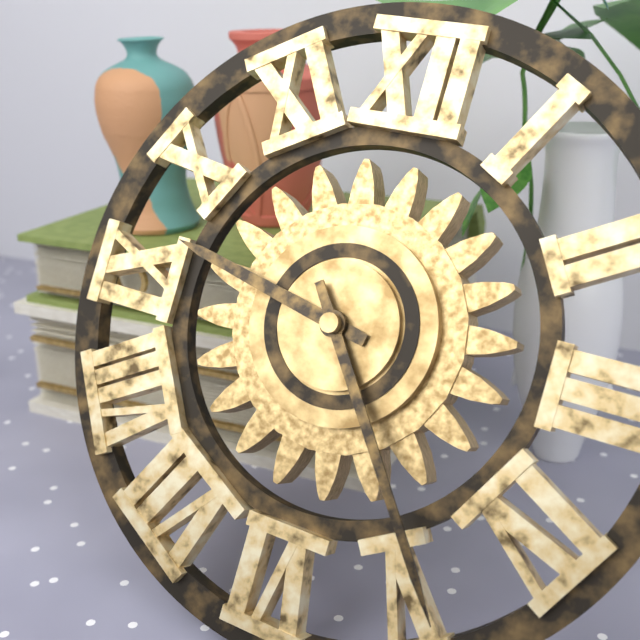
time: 9:24
